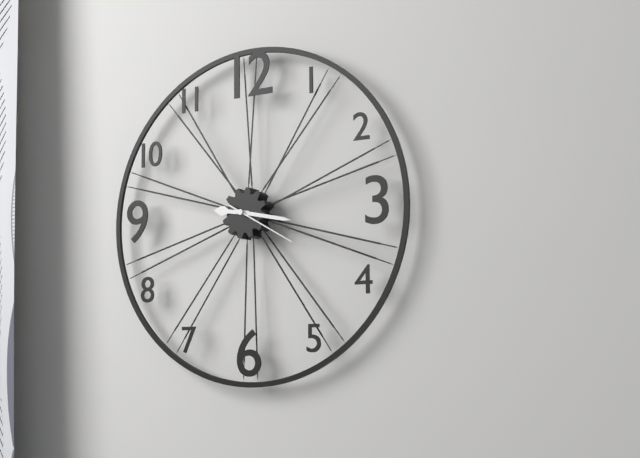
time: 9:17:20
